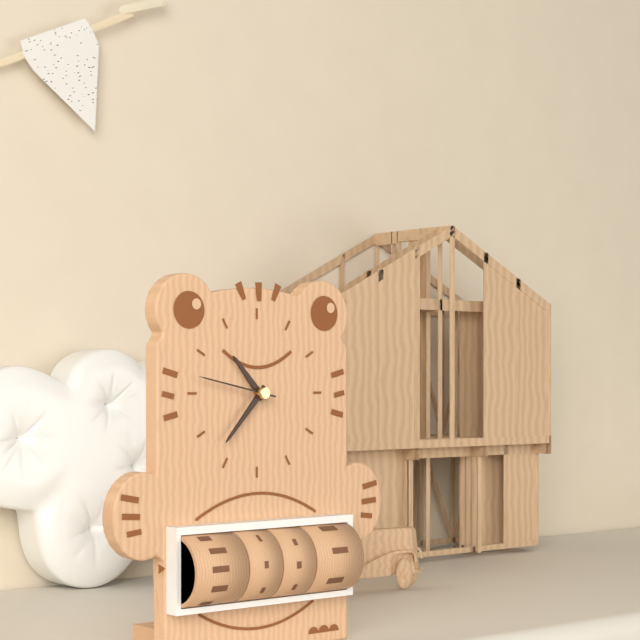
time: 10:37:47
